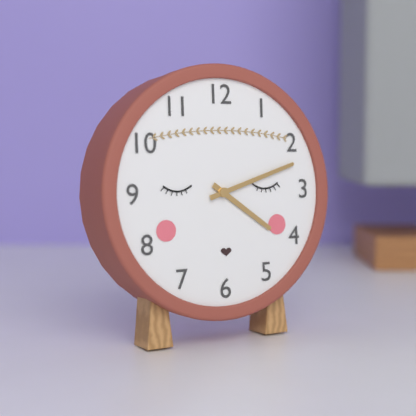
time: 4:12
